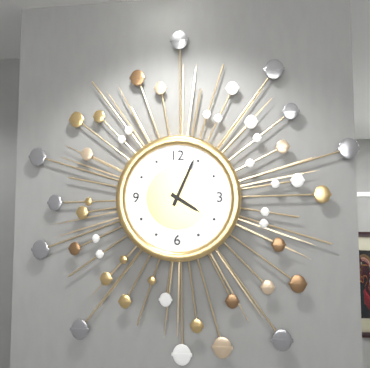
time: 4:04
